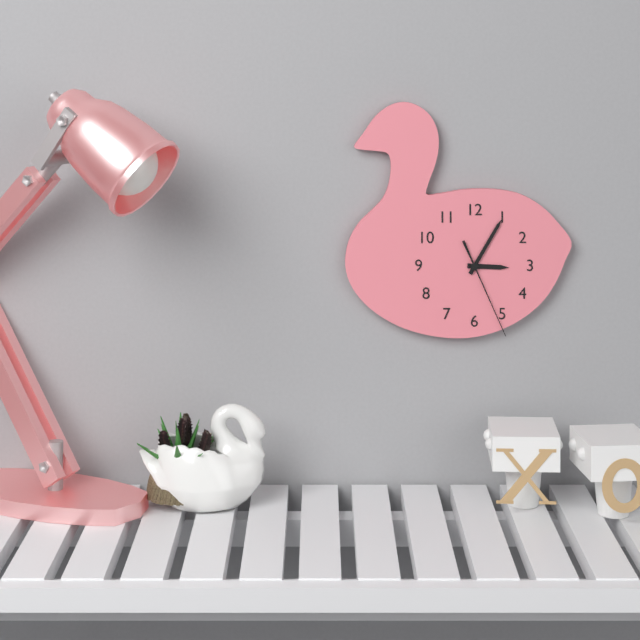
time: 3:05:26
